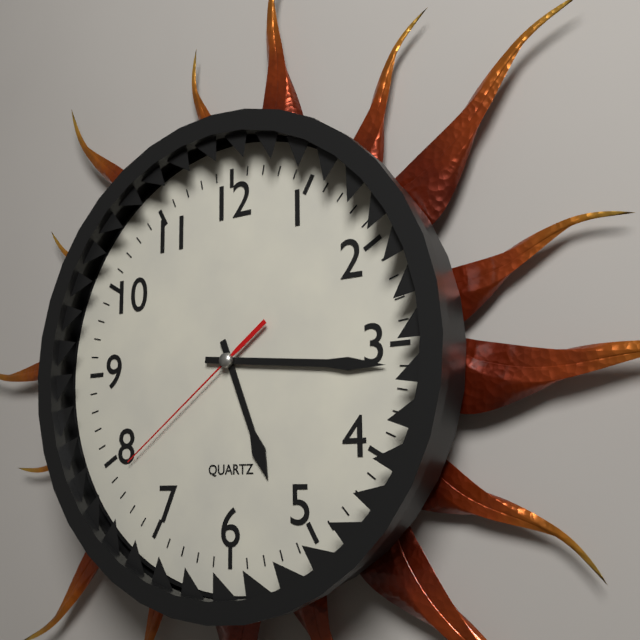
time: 5:16:39
